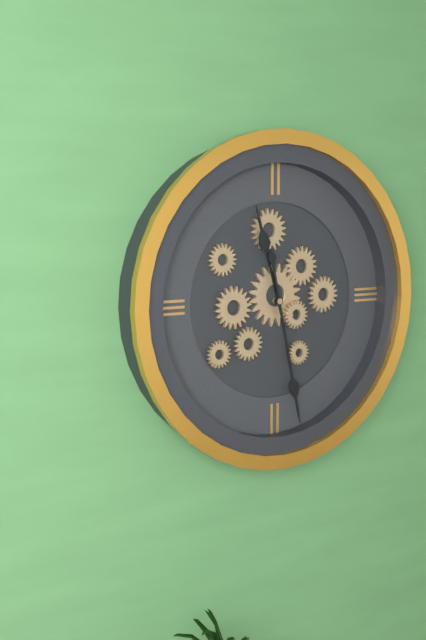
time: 11:28
